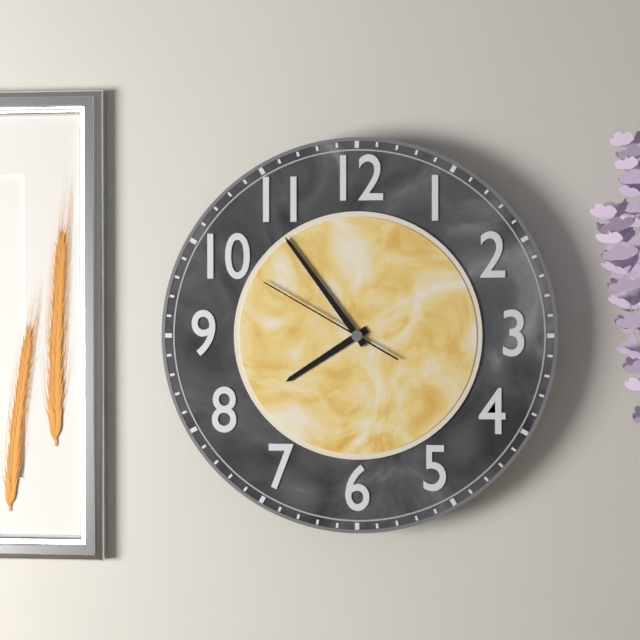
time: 7:54:50
